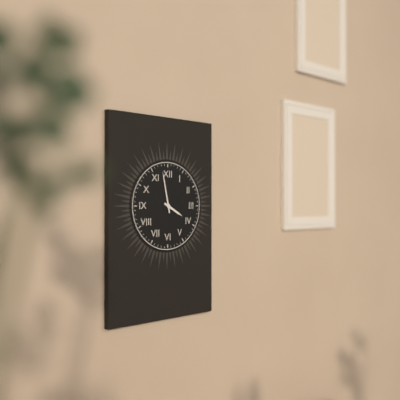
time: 3:58
